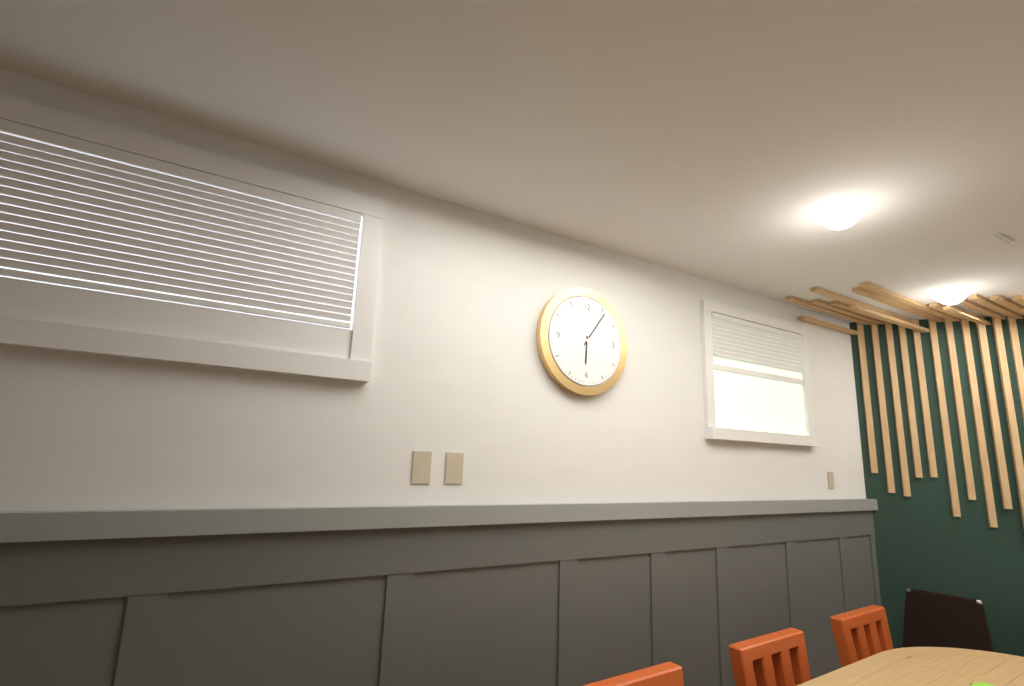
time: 6:06
